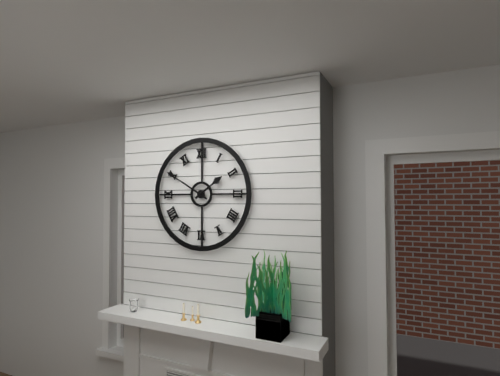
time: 1:50
